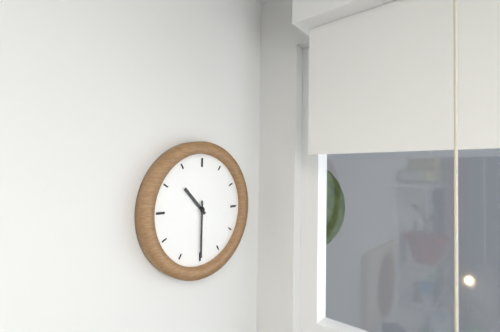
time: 10:30
